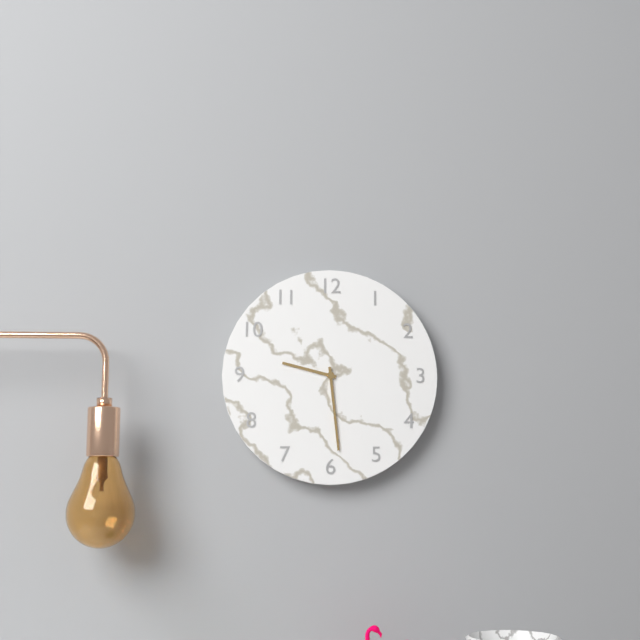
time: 9:29
